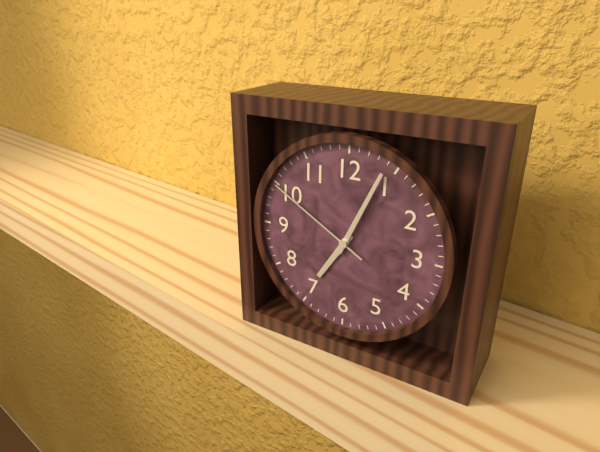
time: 7:04:50
